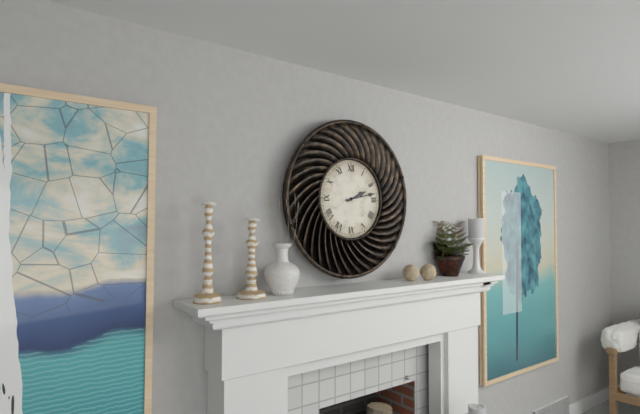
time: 2:13
